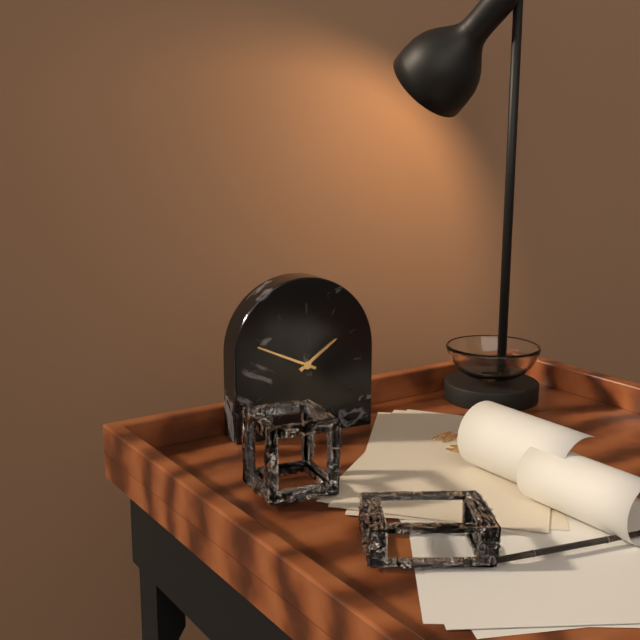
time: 1:49
